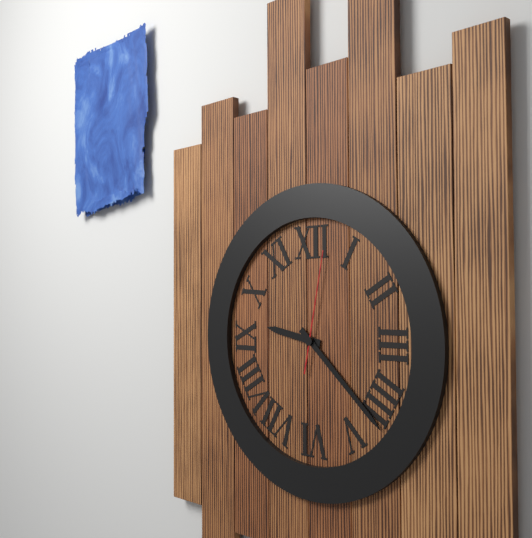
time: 9:22:02
